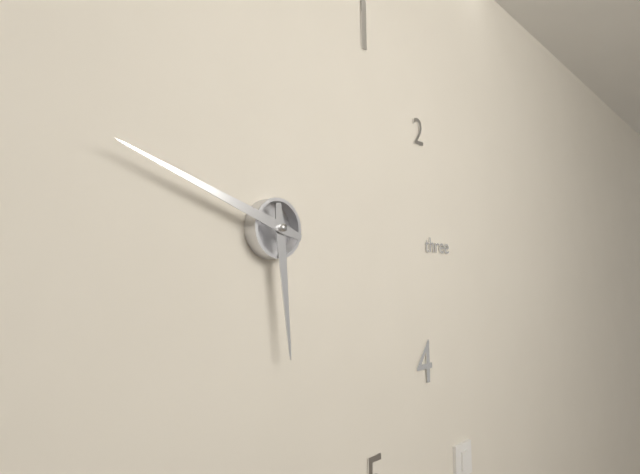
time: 5:48
